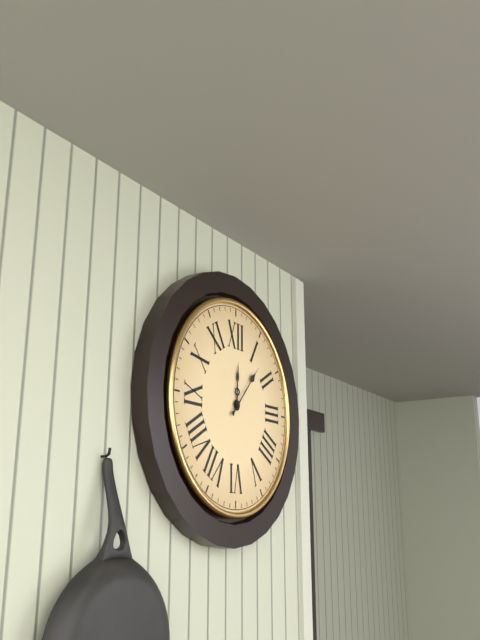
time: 12:07
